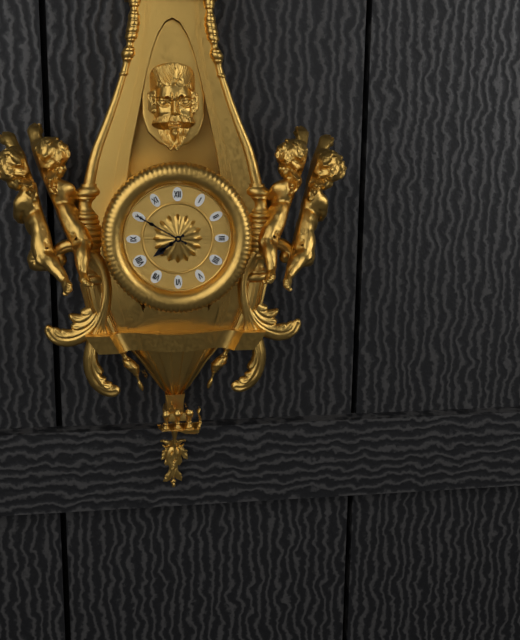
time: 7:50
